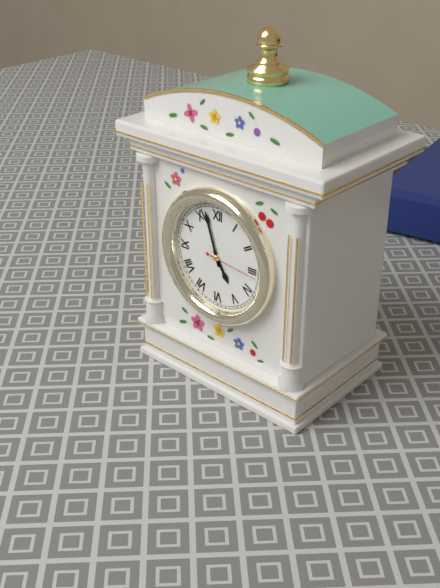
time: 4:57:16
